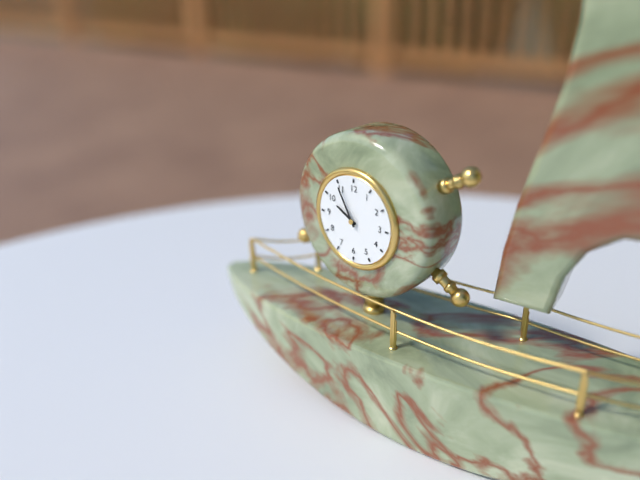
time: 9:55
